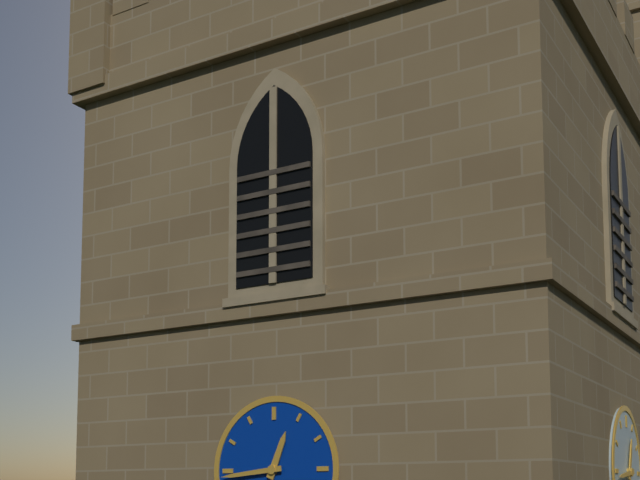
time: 12:44
